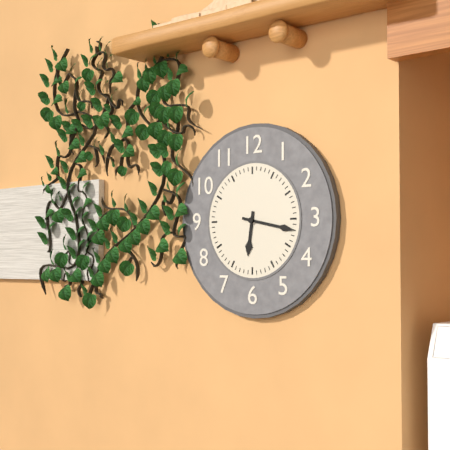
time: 6:17
